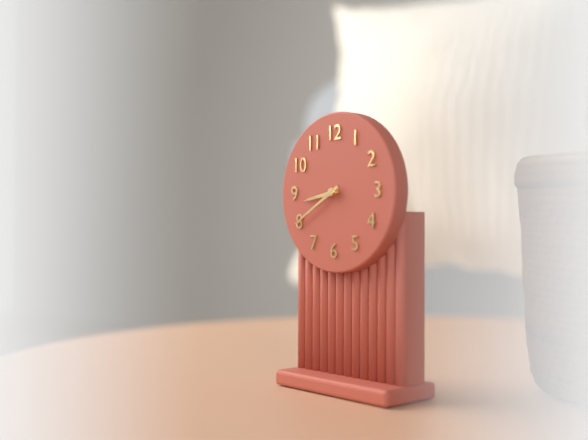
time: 8:40
